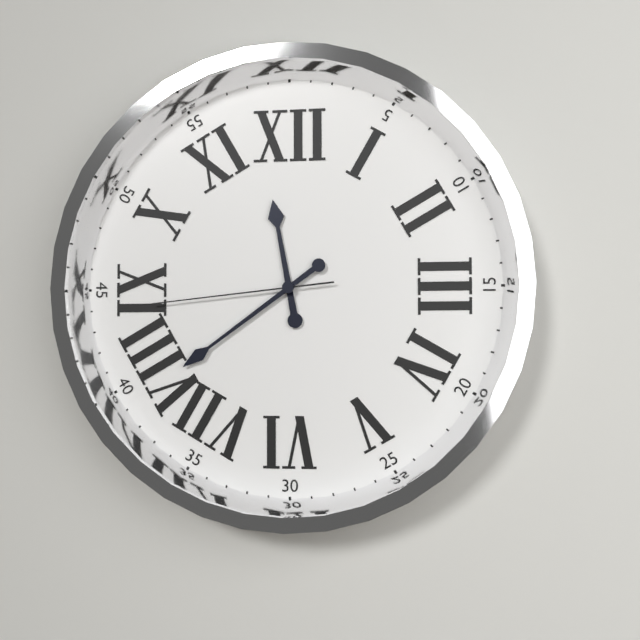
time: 11:39:44
